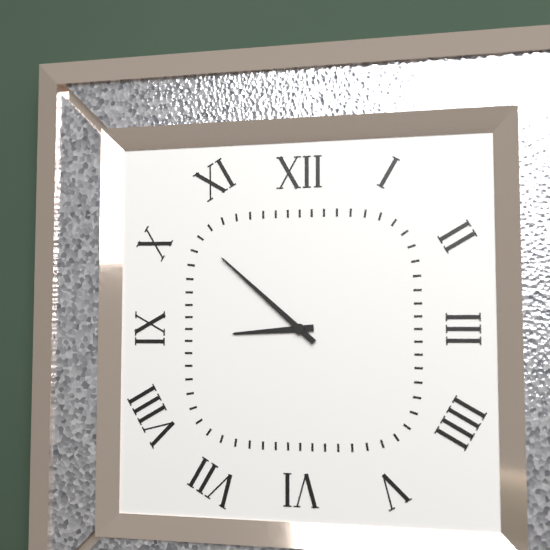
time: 8:52
